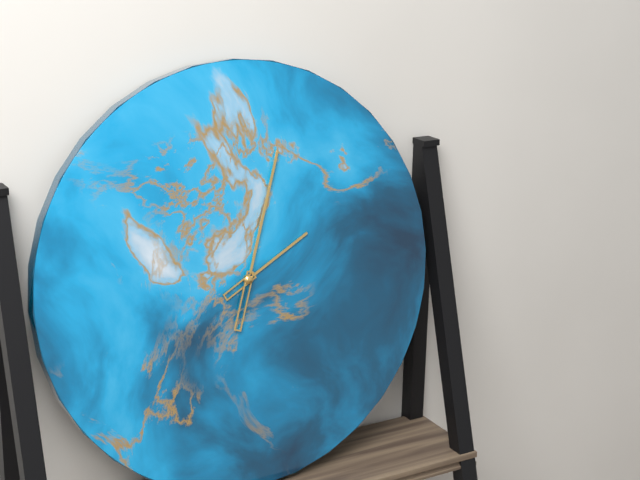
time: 2:03
